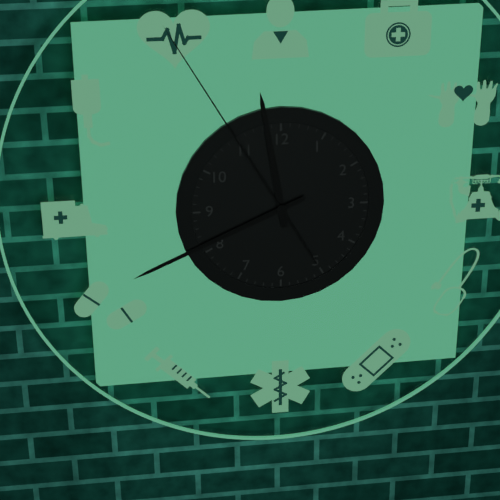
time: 11:41:55
